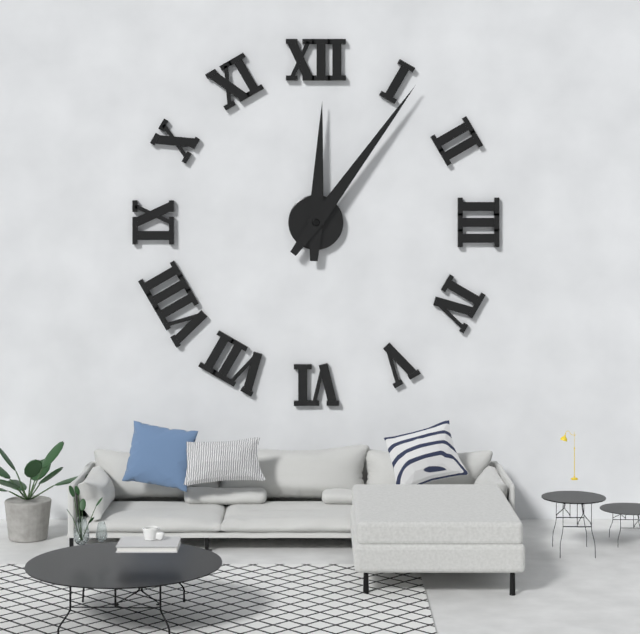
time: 12:06
